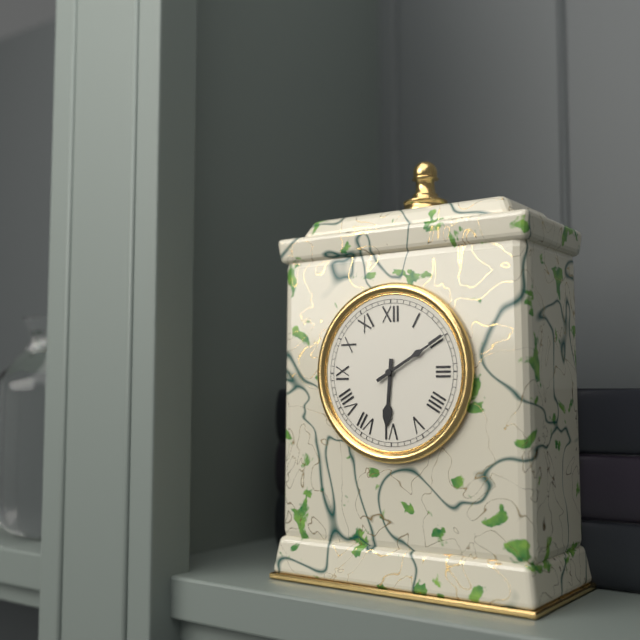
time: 6:10
